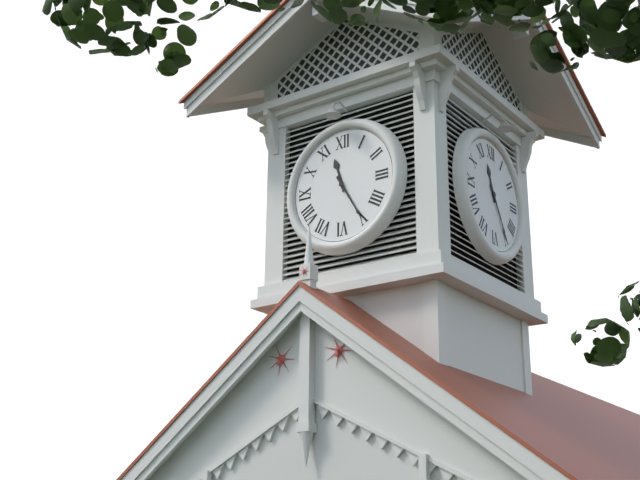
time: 11:25
